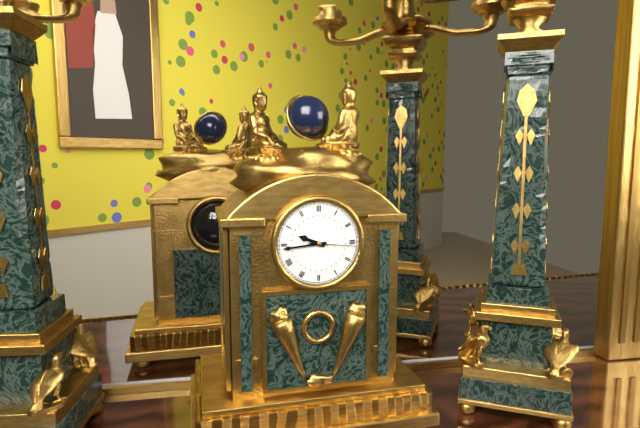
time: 9:44
